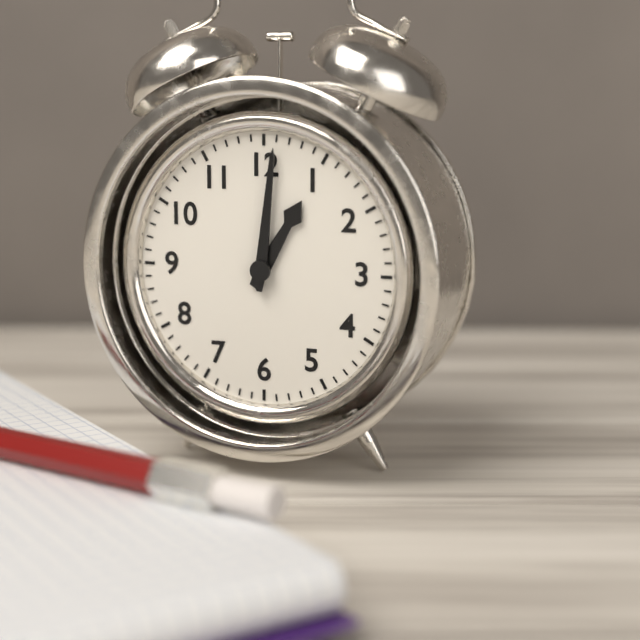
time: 1:01
